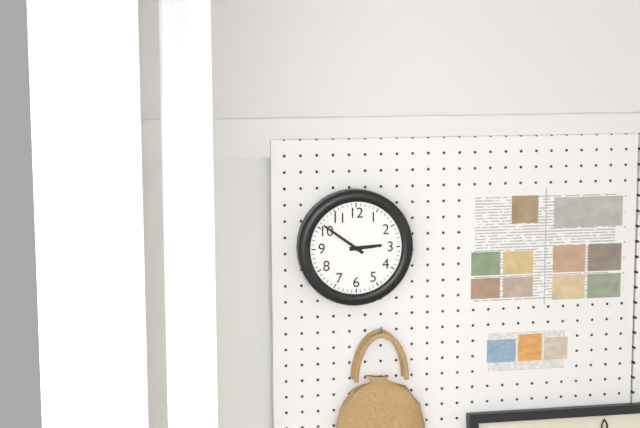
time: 2:51
